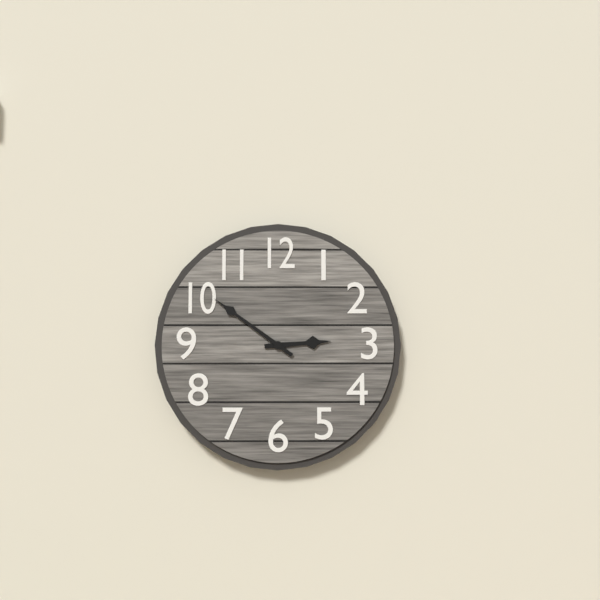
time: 2:51
